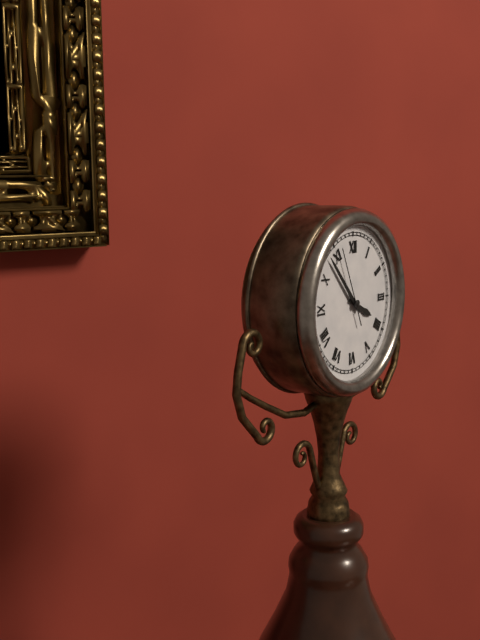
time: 3:53:56
